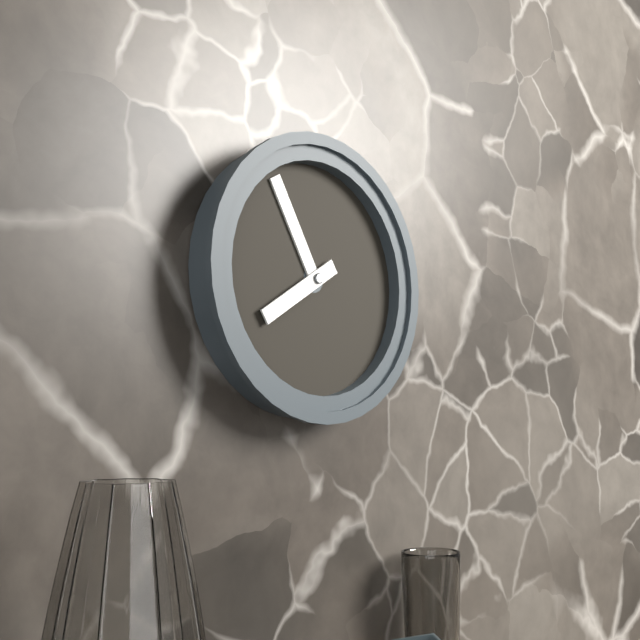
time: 7:55
